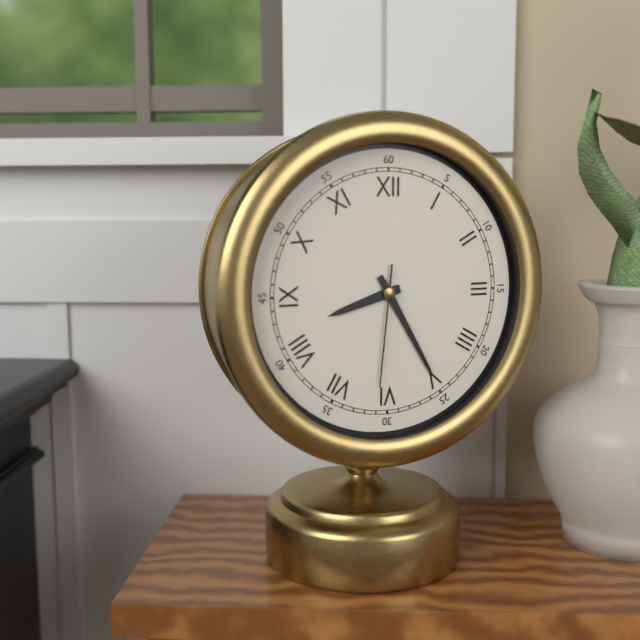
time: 8:25:31
